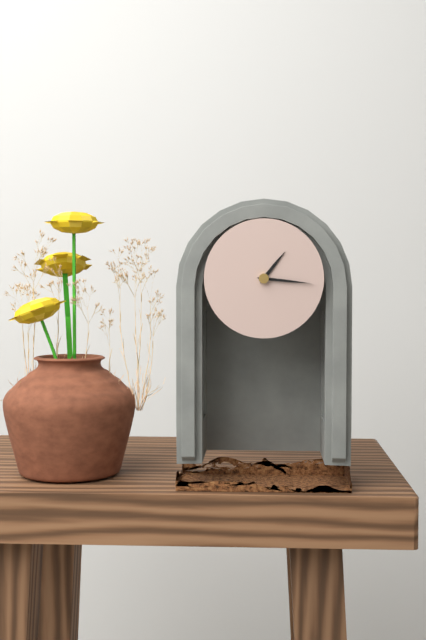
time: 1:16
